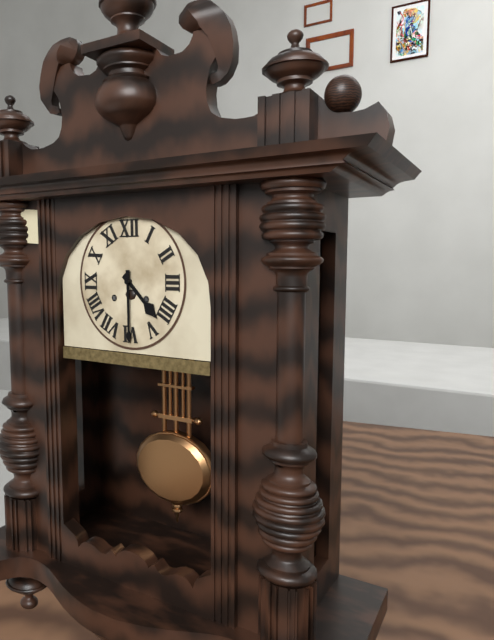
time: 4:30
